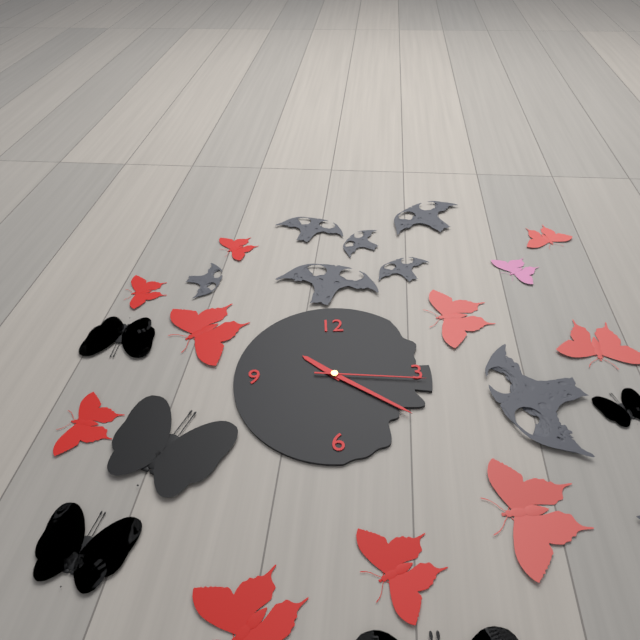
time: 10:21:16
